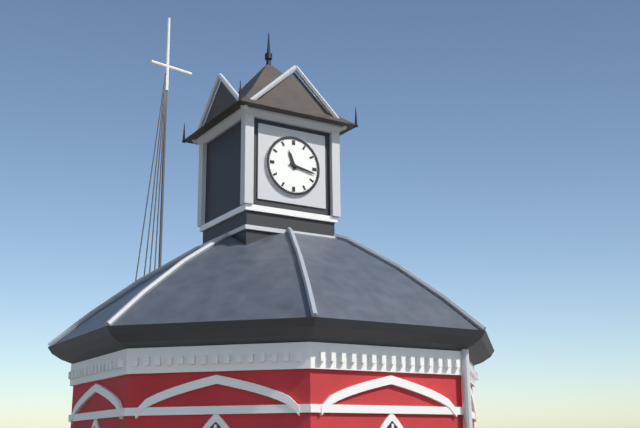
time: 11:17
